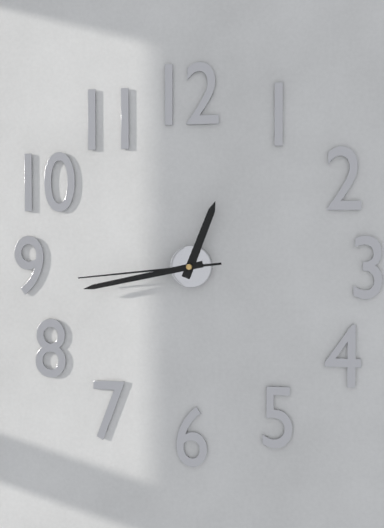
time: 12:43:44
